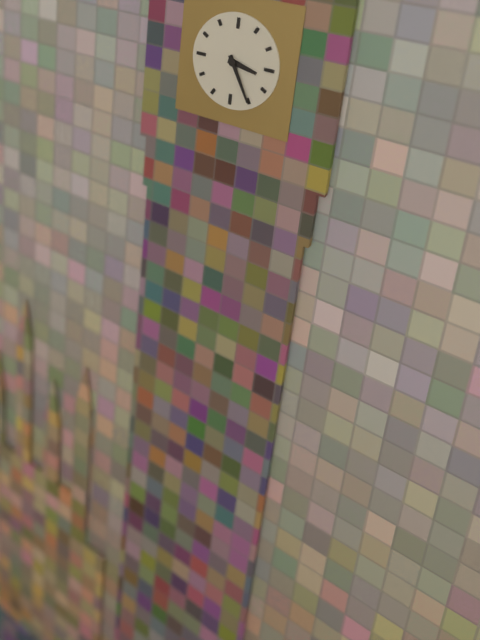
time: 3:25
